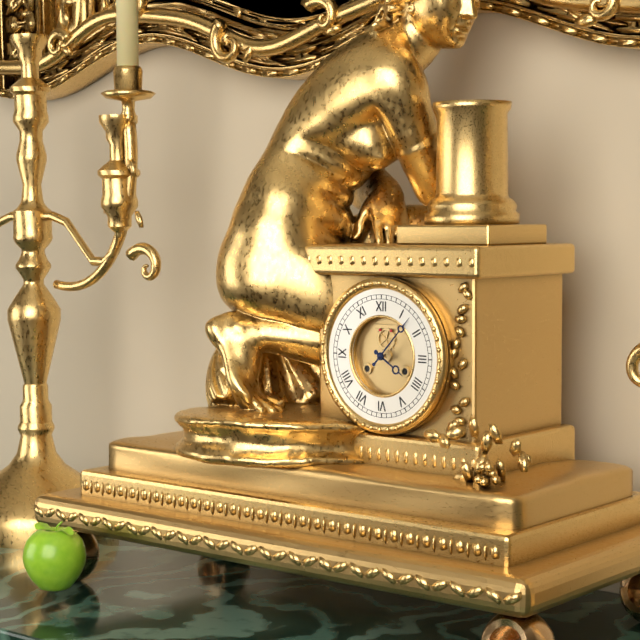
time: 4:07
